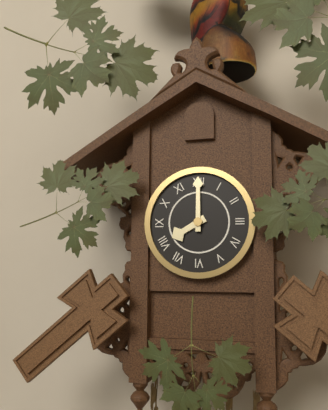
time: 8:00
